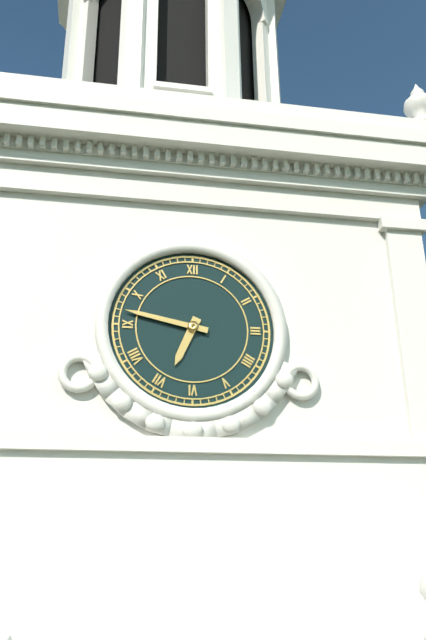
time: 6:47
